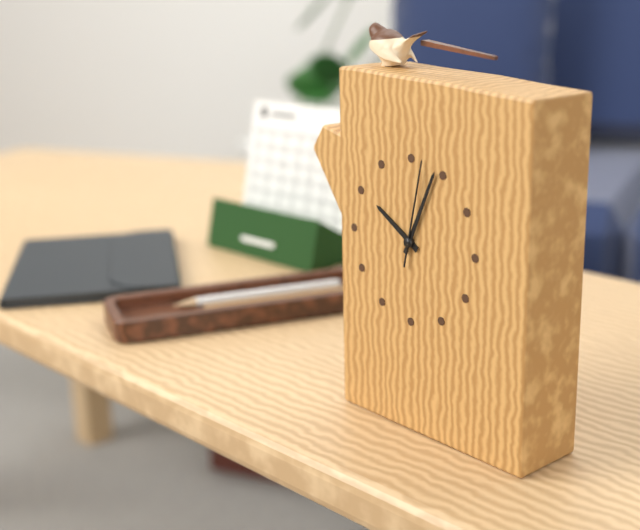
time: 10:04:02
